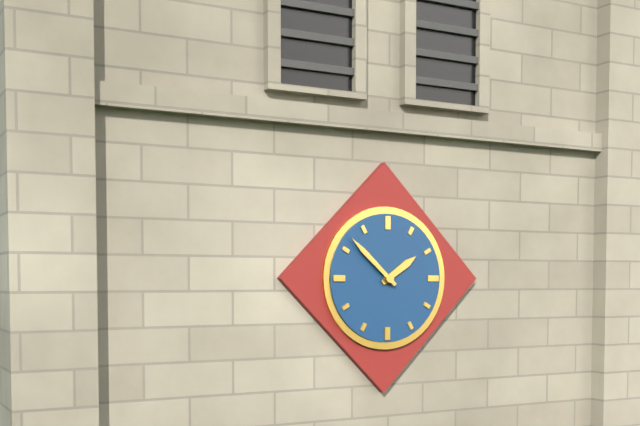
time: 1:52
